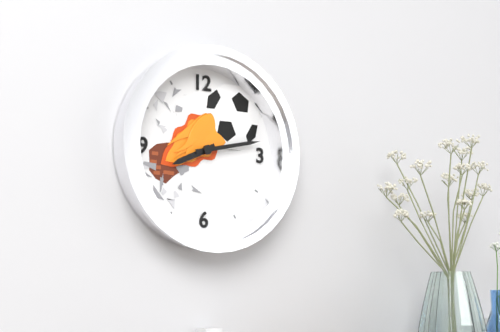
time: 8:13
